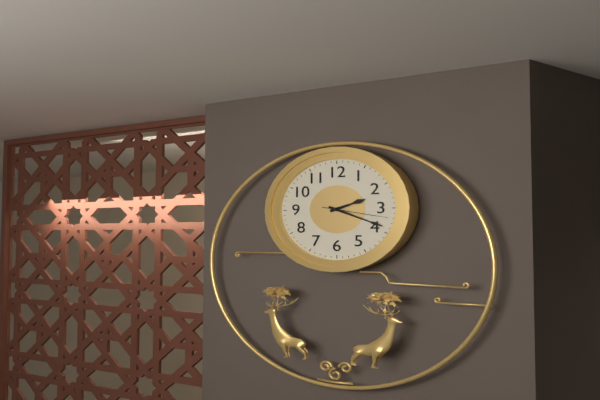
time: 2:19:17
